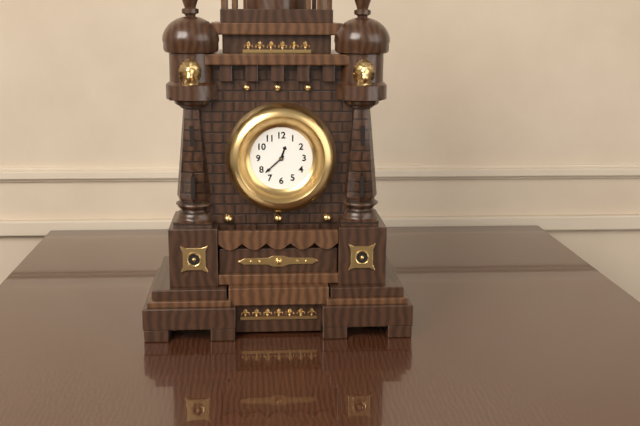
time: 12:38
